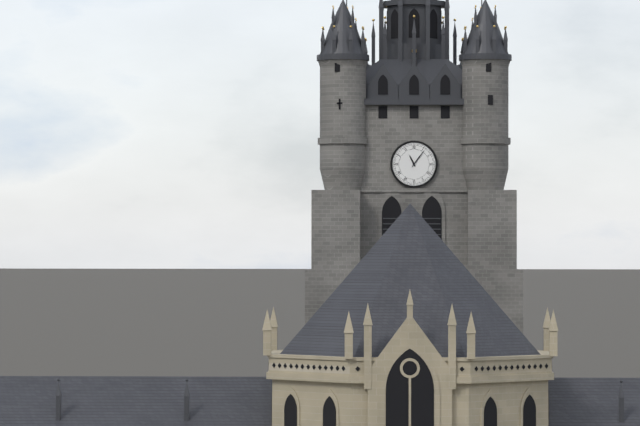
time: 11:06
